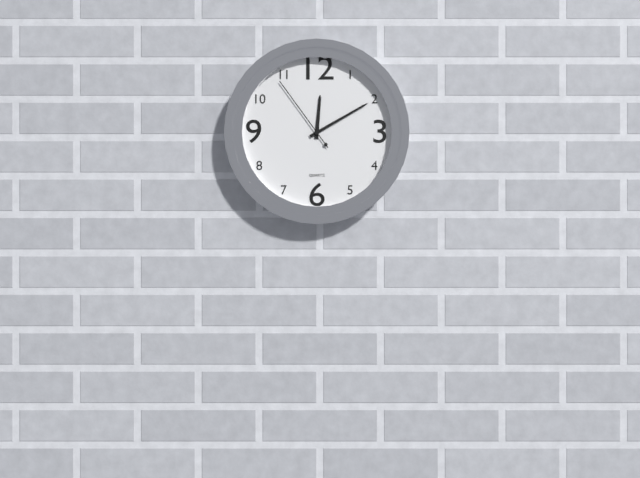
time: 12:10:54
